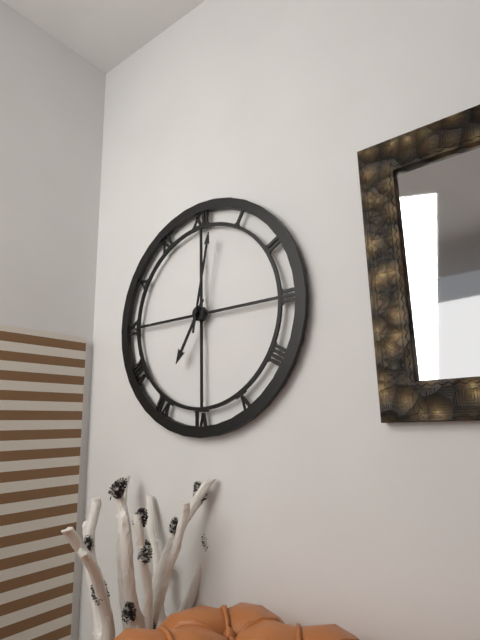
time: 7:02
